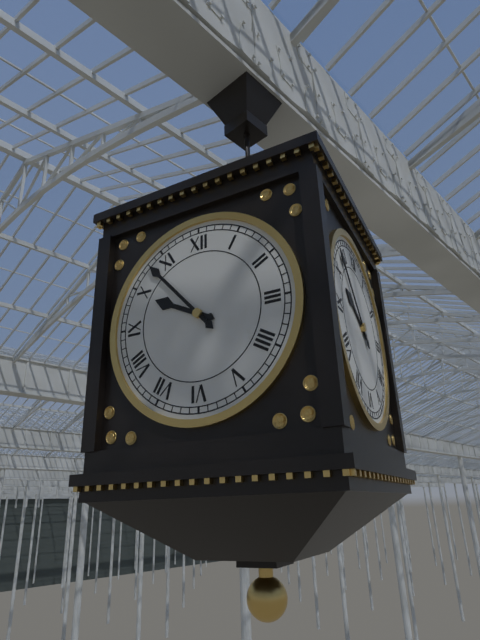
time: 9:53
